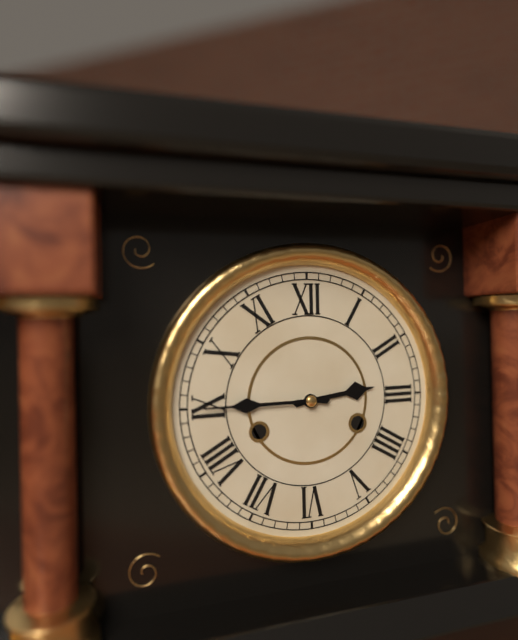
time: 2:45
